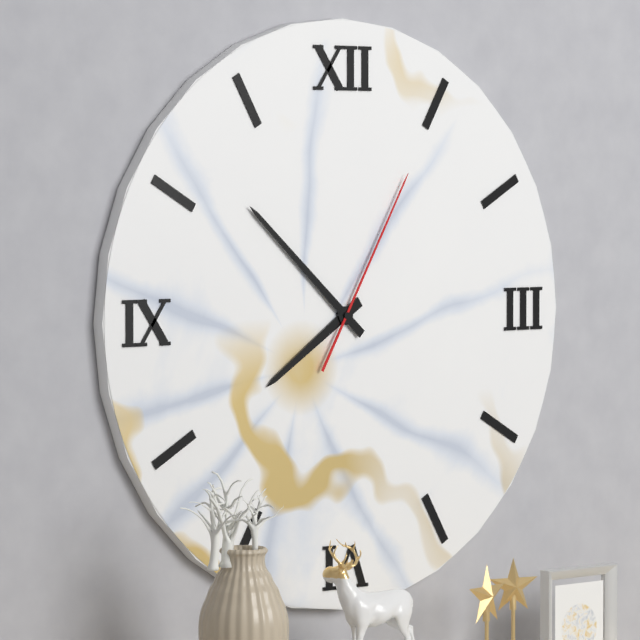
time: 7:52:05
